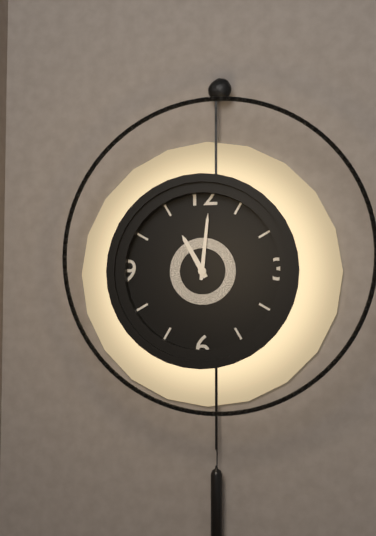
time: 11:01
